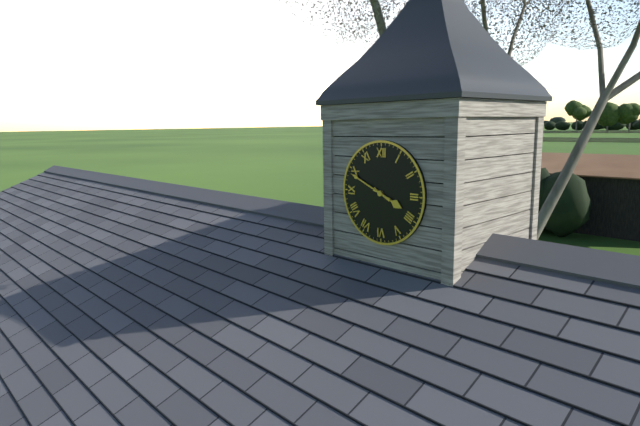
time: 3:49
